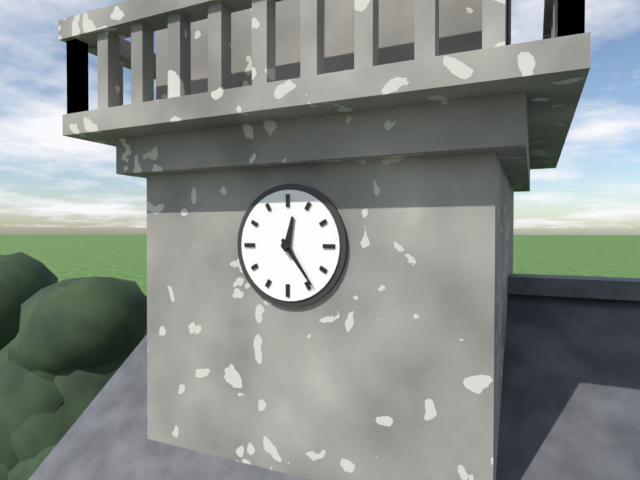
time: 12:24
